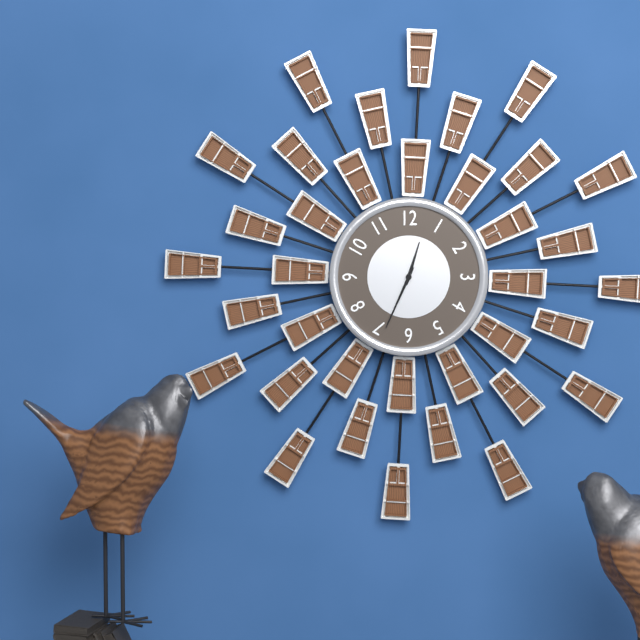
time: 12:34
